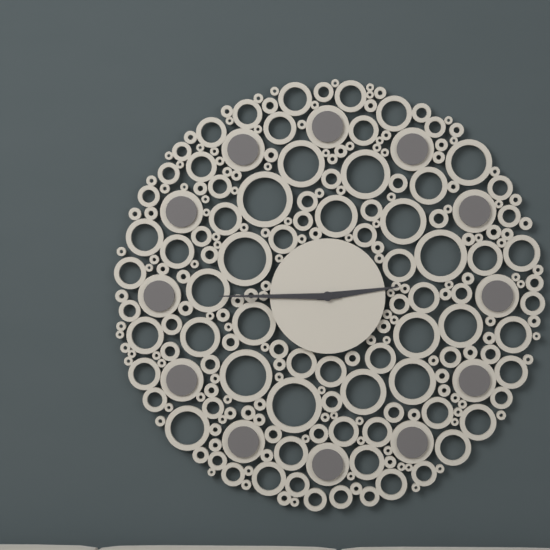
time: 2:45
